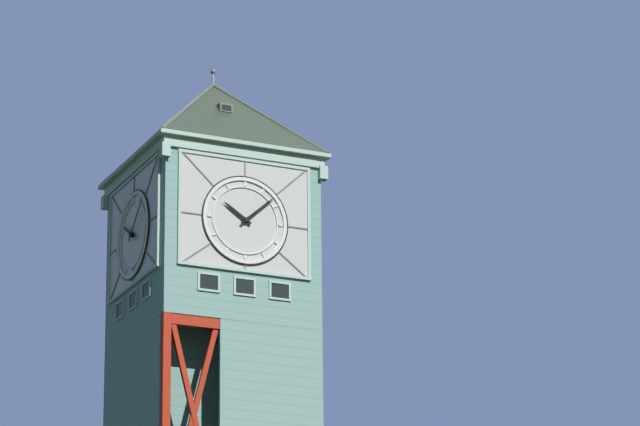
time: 10:08
